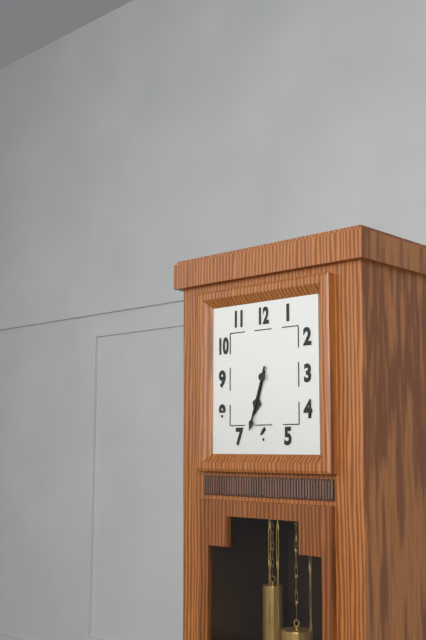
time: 6:33
